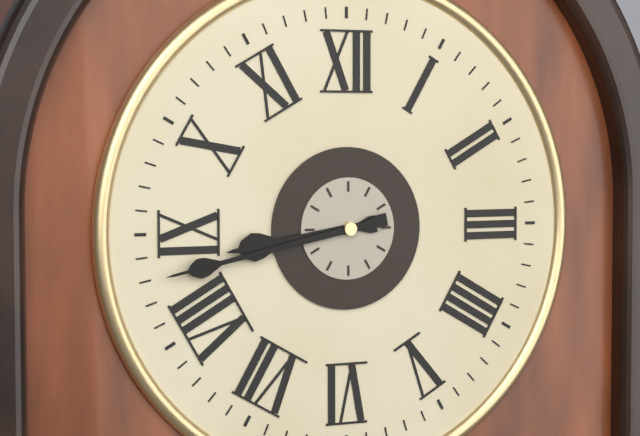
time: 8:43
